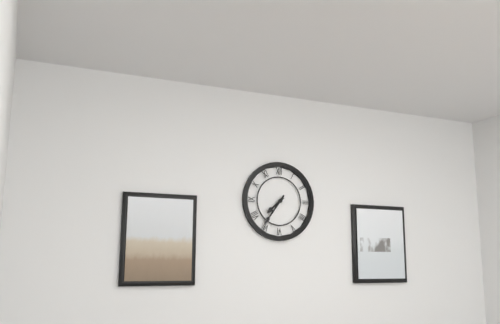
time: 7:36
